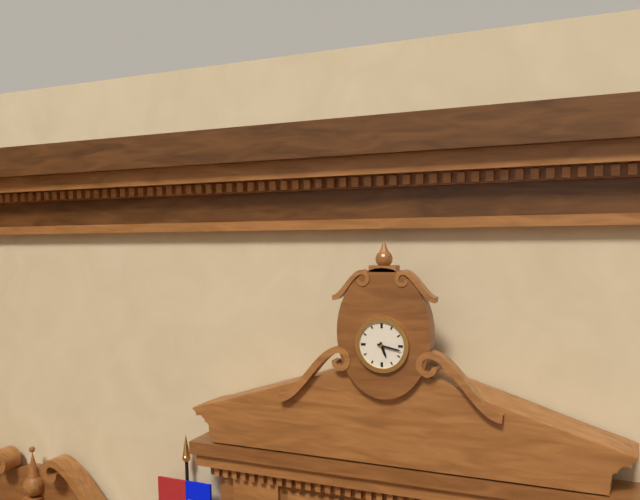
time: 5:17
